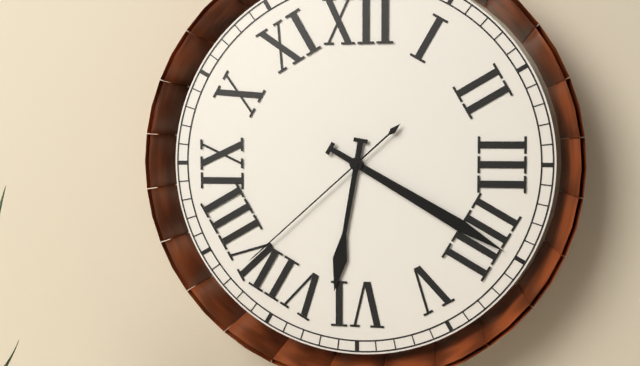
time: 6:20:38
